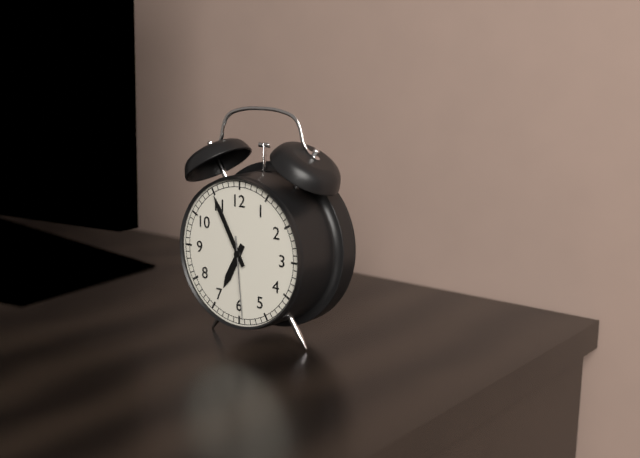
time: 6:55:29
